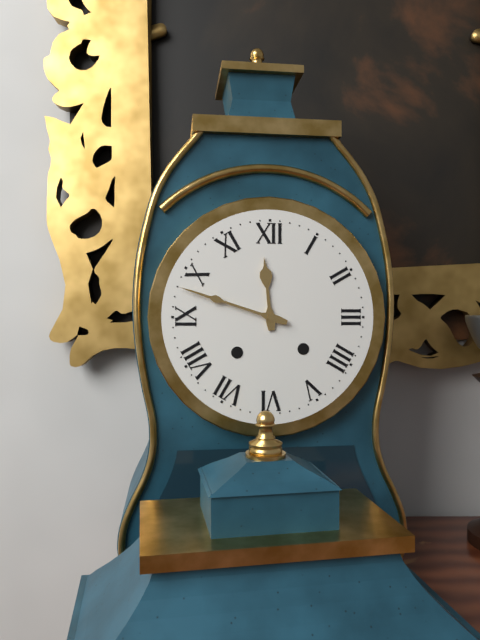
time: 11:48
